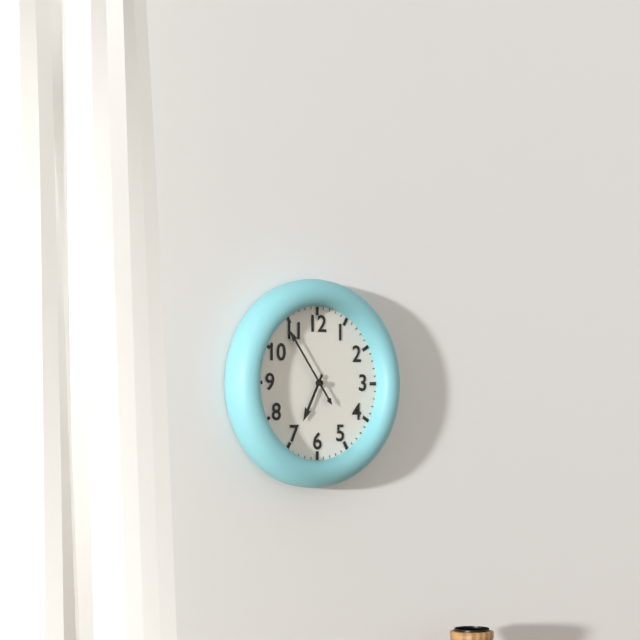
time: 6:54
